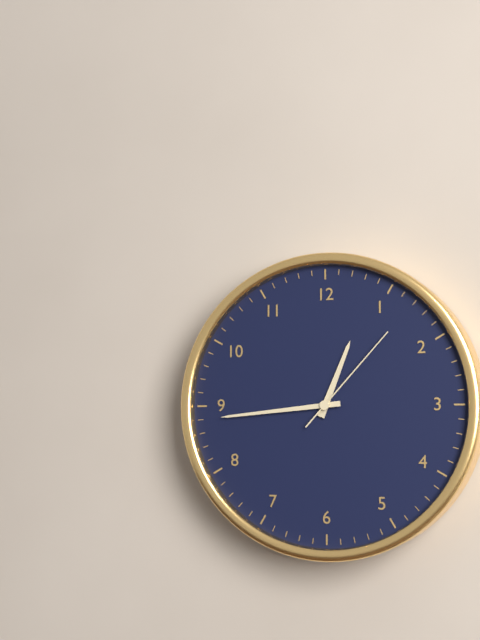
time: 12:44:07
